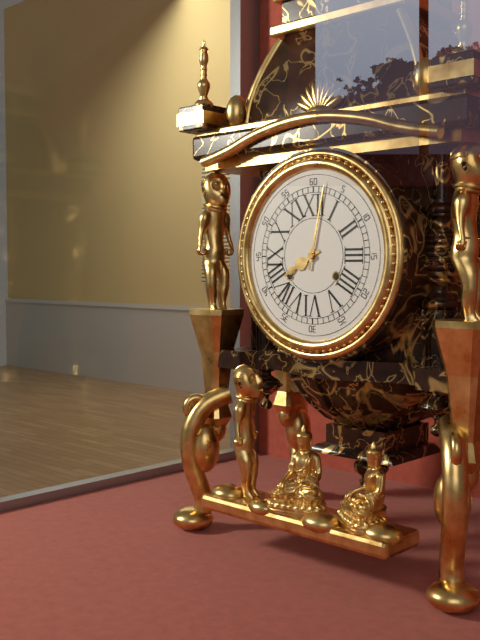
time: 8:02
